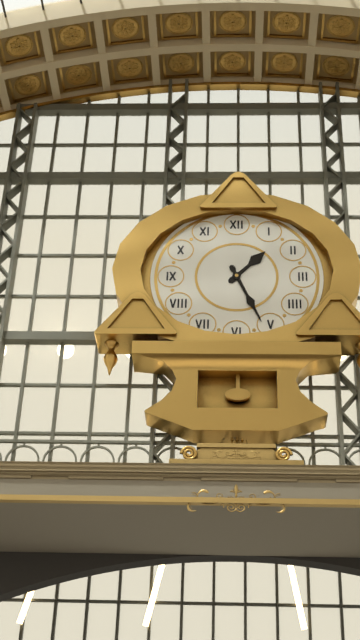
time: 1:26
